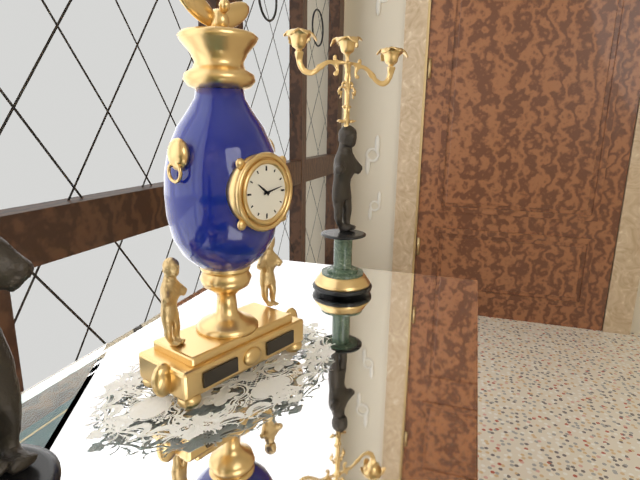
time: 10:13
